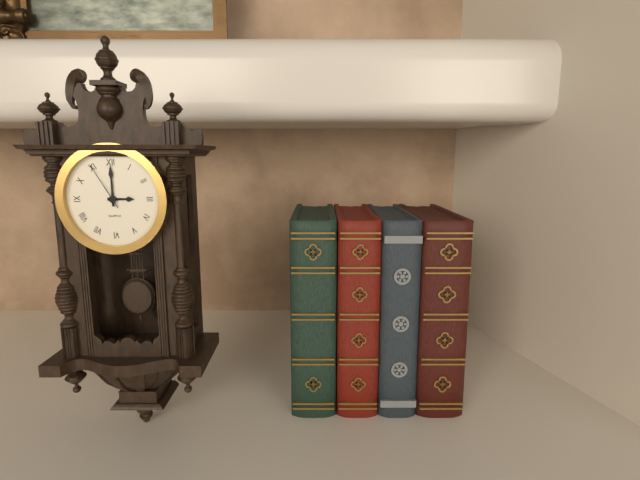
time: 3:00:55
